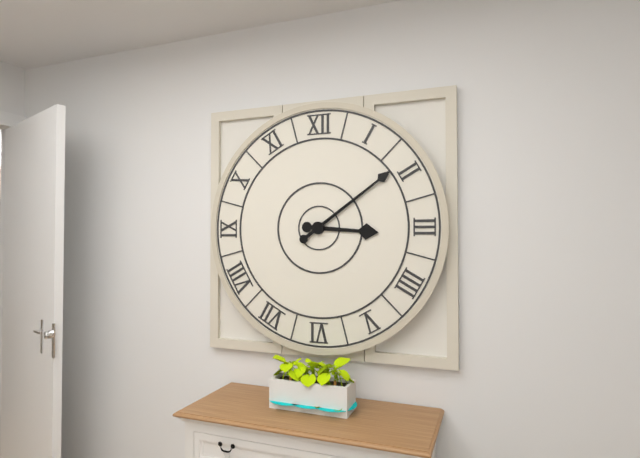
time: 3:09
